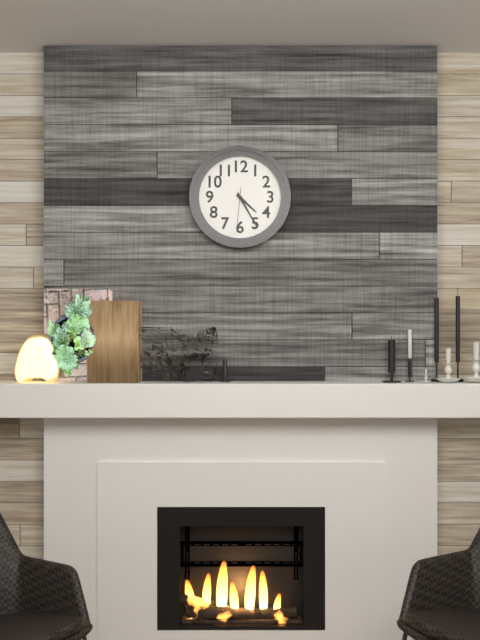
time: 4:25
